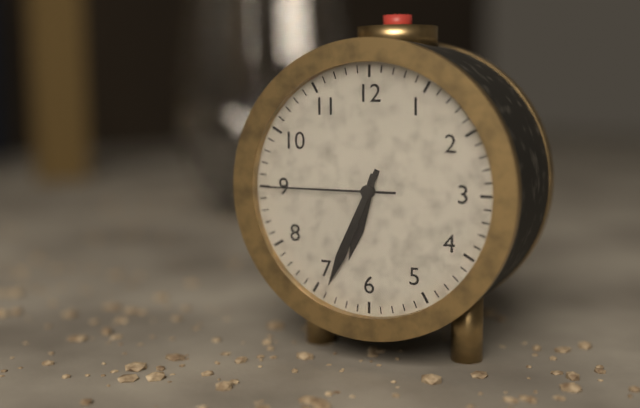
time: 6:34:45
